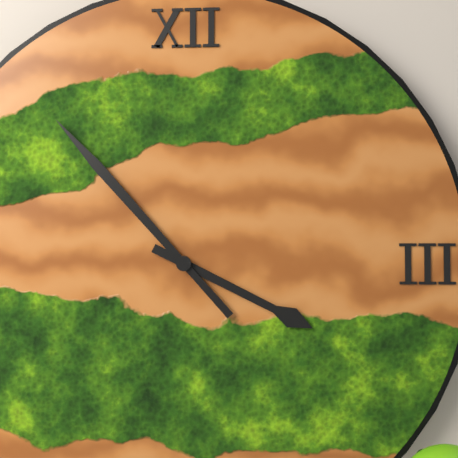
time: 3:53
